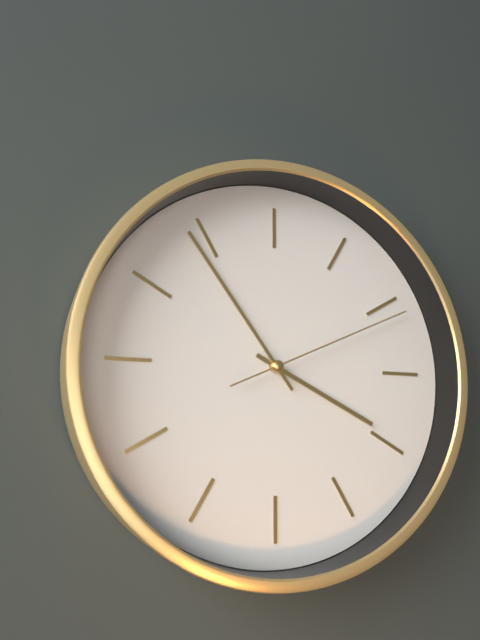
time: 3:54:11
